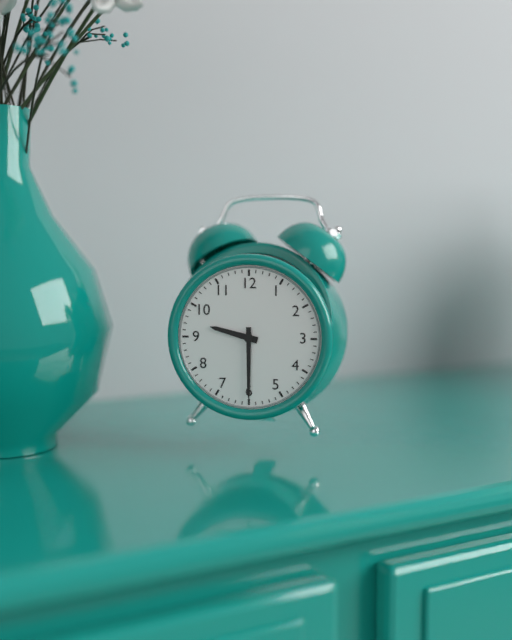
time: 9:30
